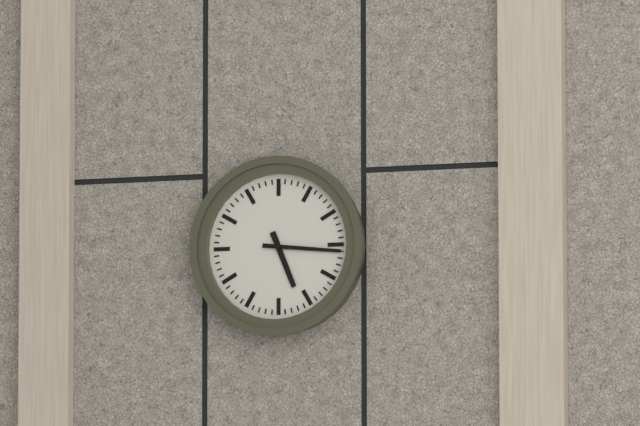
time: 5:16
